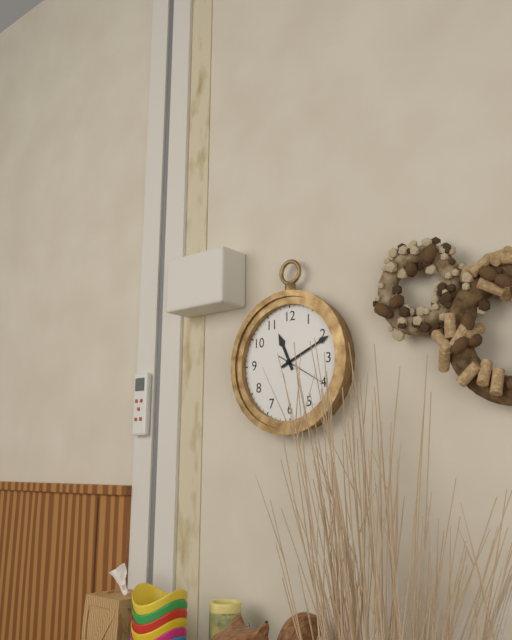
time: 11:11:20
